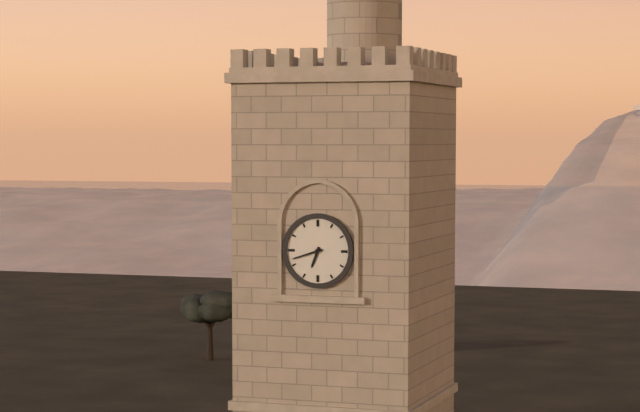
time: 6:42
